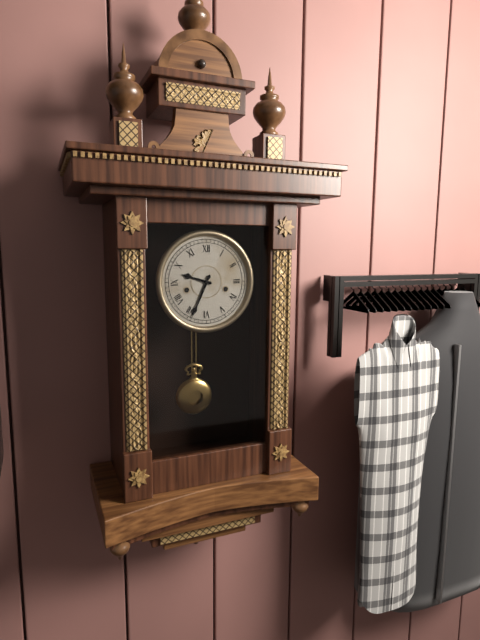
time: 9:34
